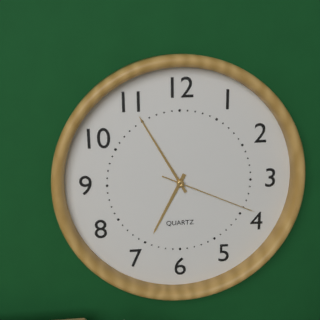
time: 6:55:19
